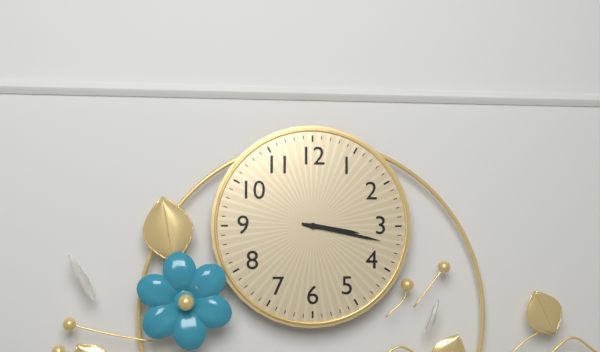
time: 3:17
